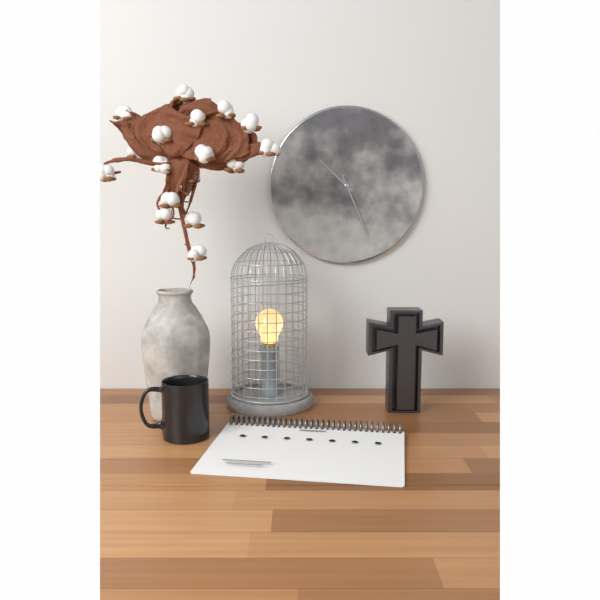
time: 10:26
